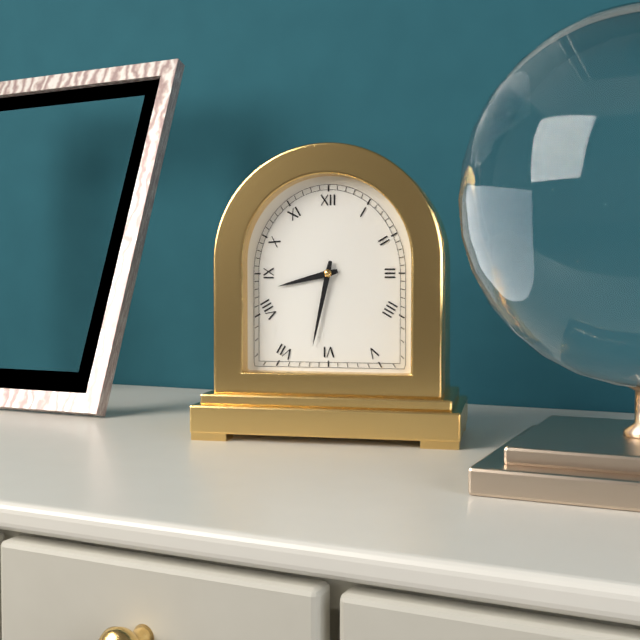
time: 8:32
